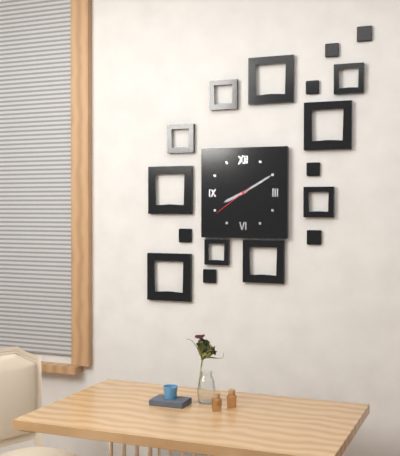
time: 8:10
